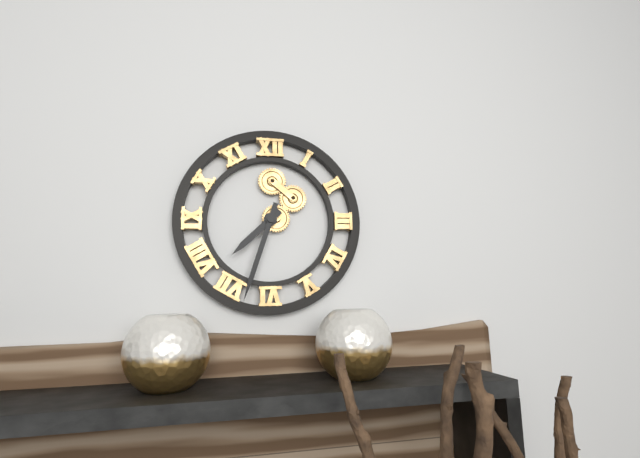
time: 7:33
